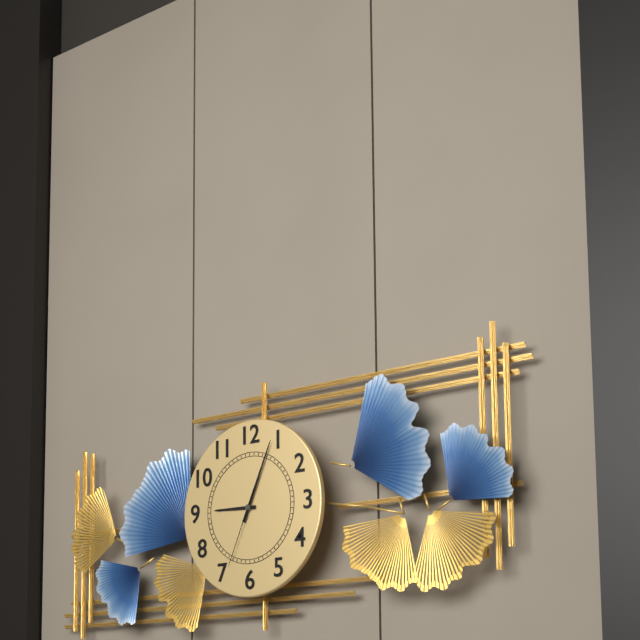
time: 9:04:34
